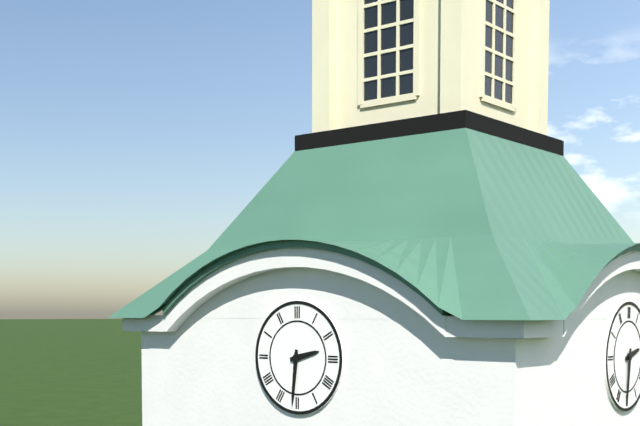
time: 2:31
